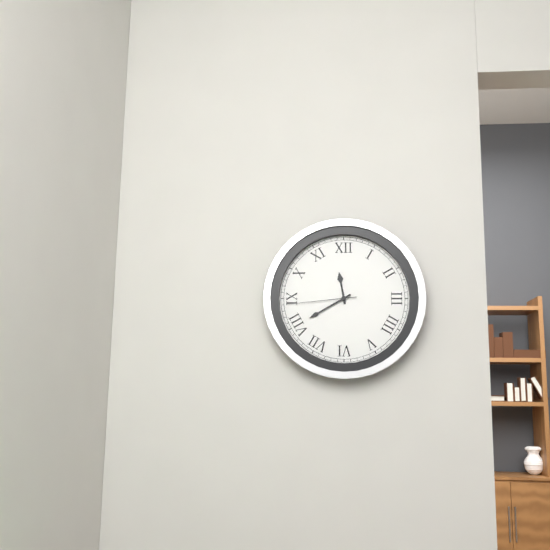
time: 11:40:44
